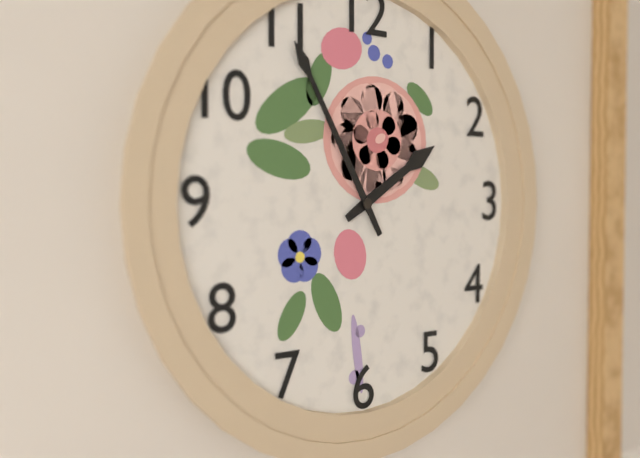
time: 1:55
